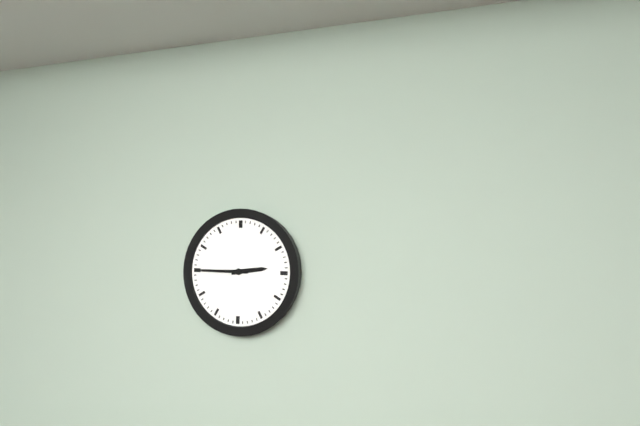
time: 2:45
